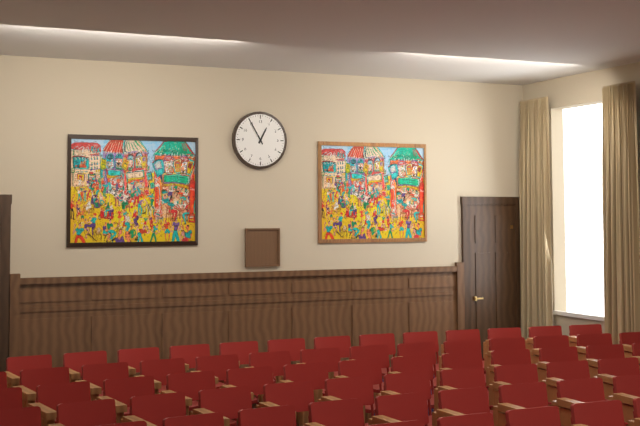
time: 12:55
